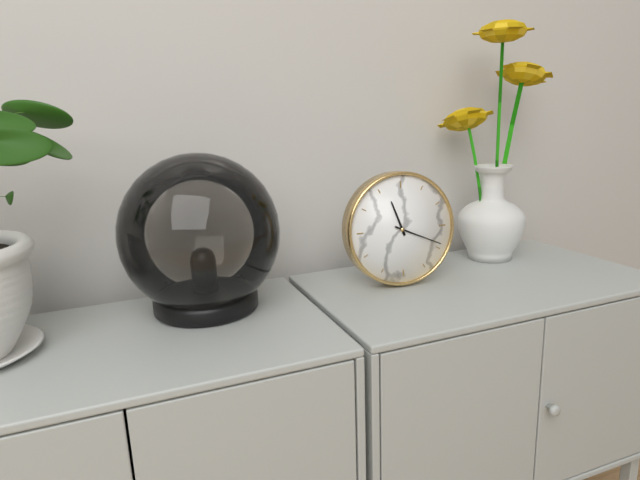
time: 11:19
